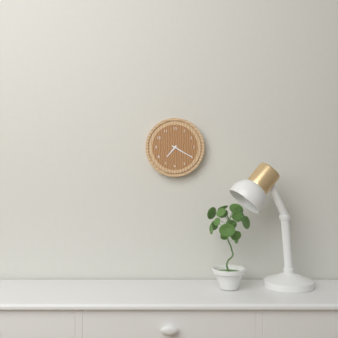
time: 7:20
